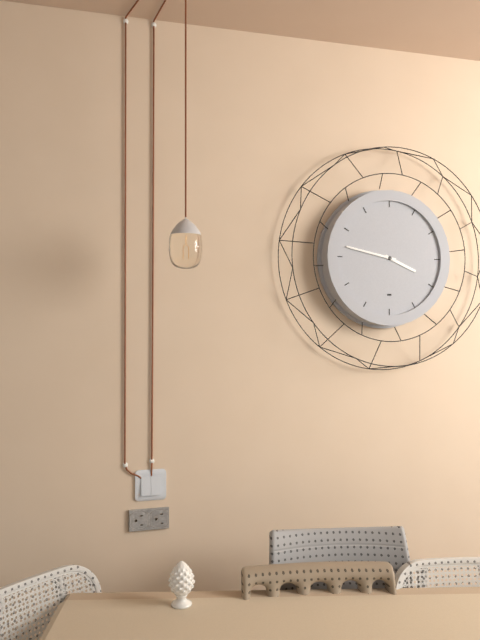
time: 3:47
